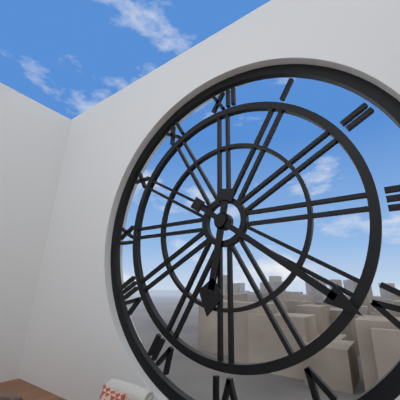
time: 6:21
